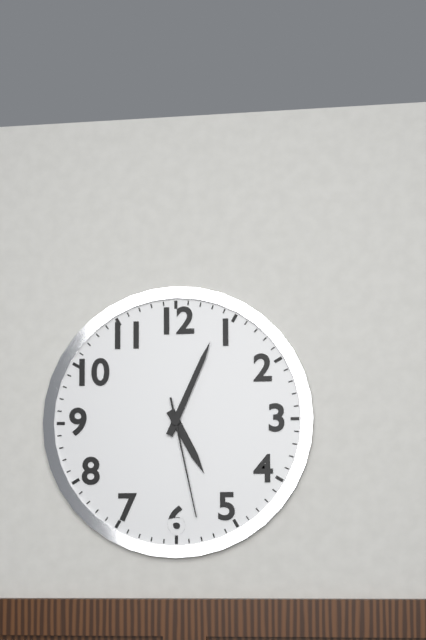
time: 5:04:28
